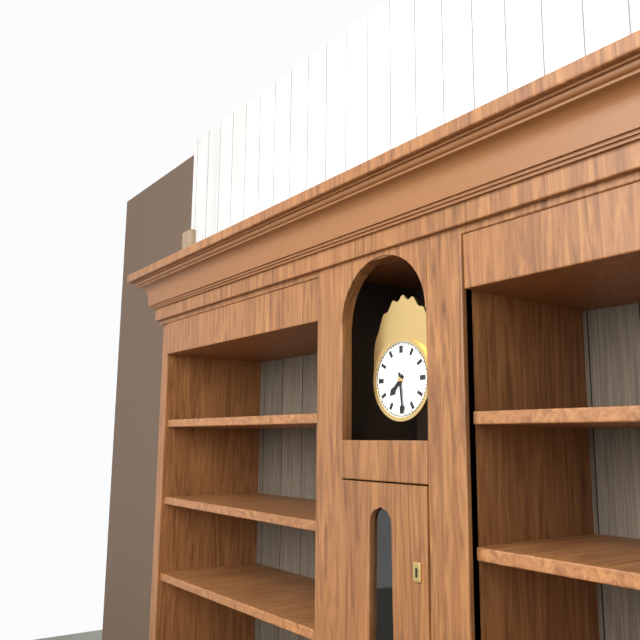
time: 7:29
